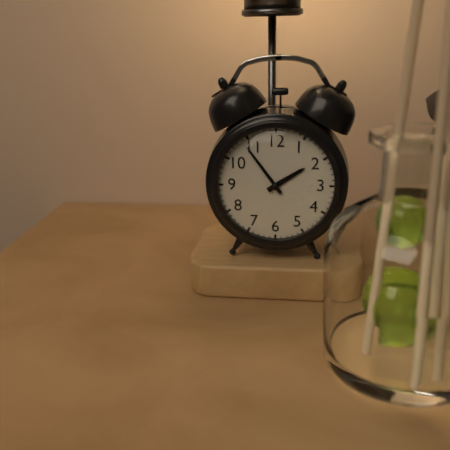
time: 1:54
